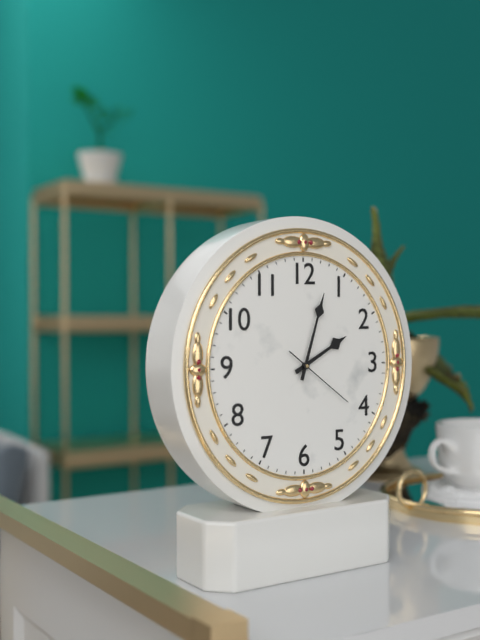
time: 2:03:21
